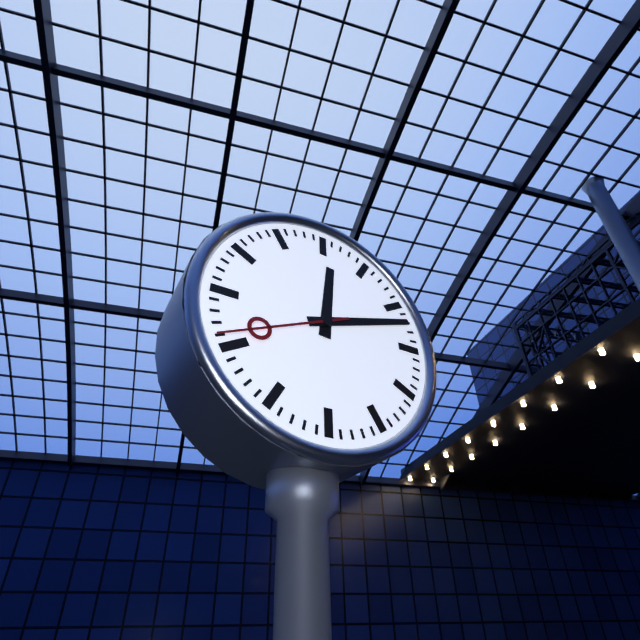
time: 12:12:41
